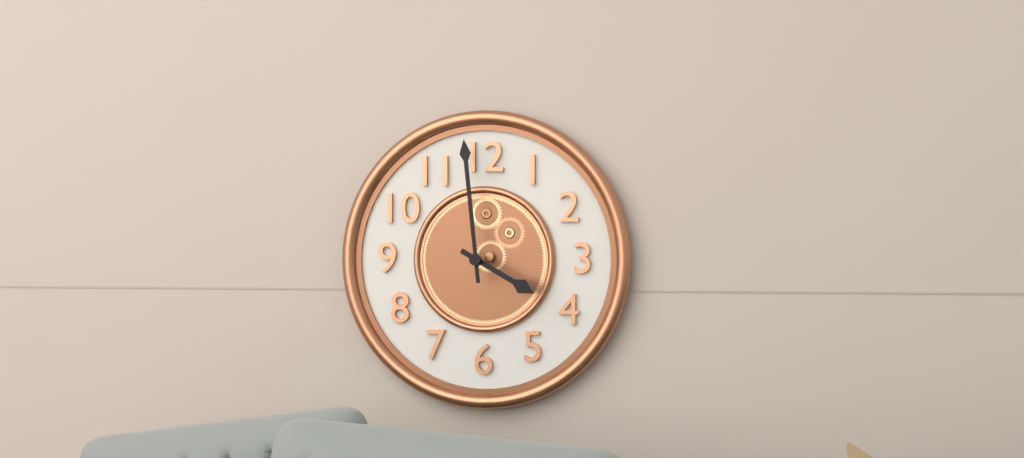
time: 3:59
